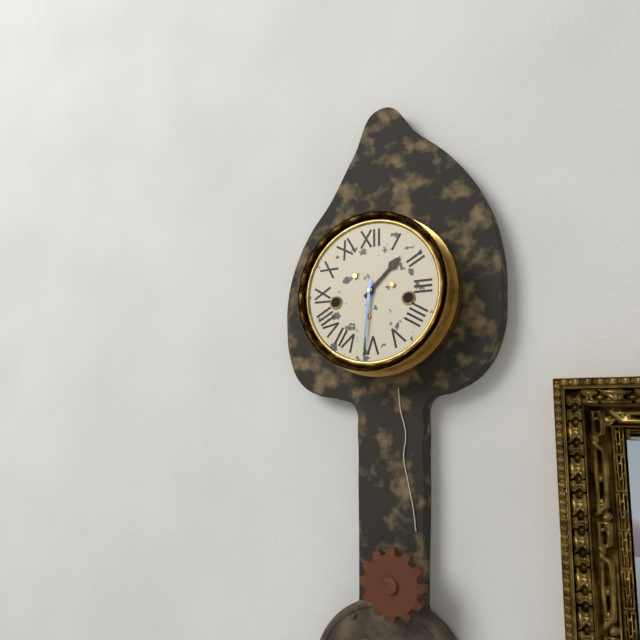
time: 1:31
